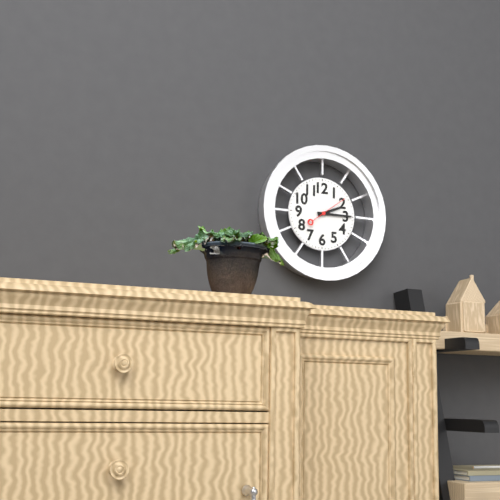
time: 2:15
